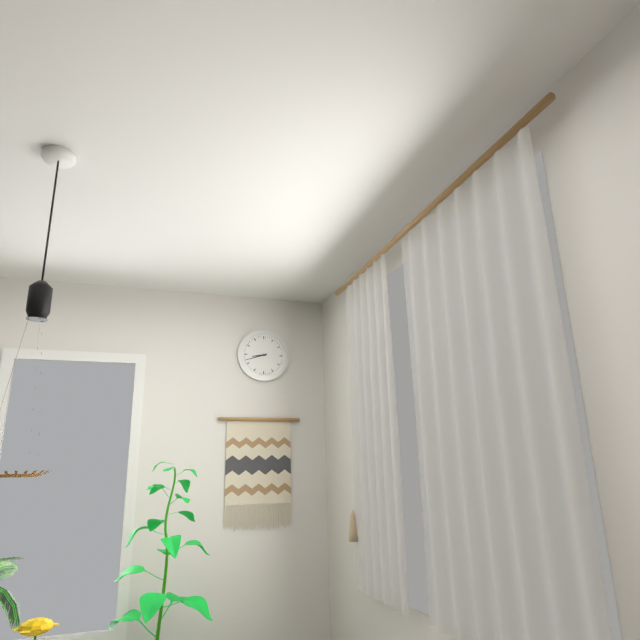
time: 8:42
